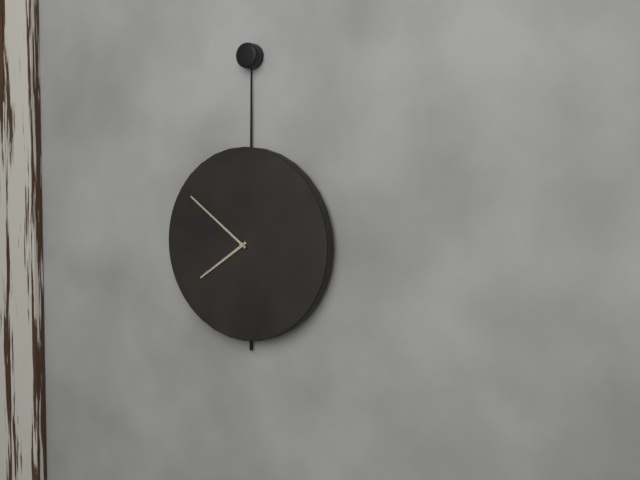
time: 7:51
